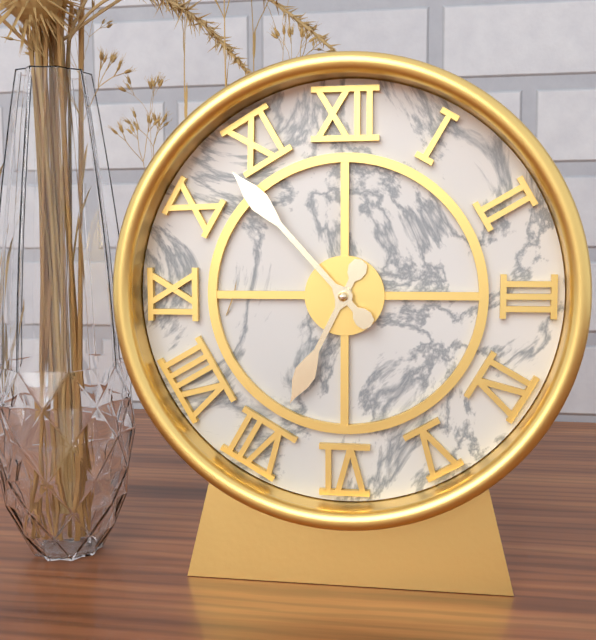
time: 6:53
